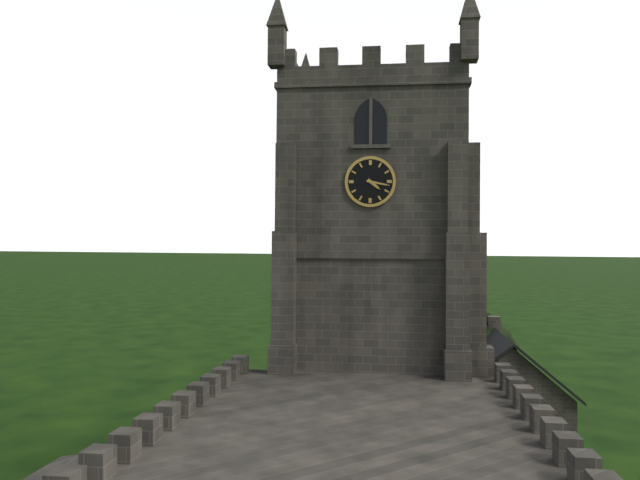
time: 4:17
